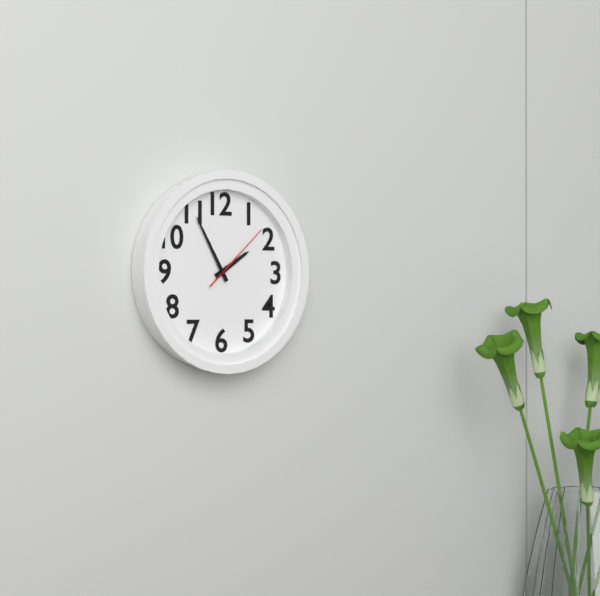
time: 1:55:08
